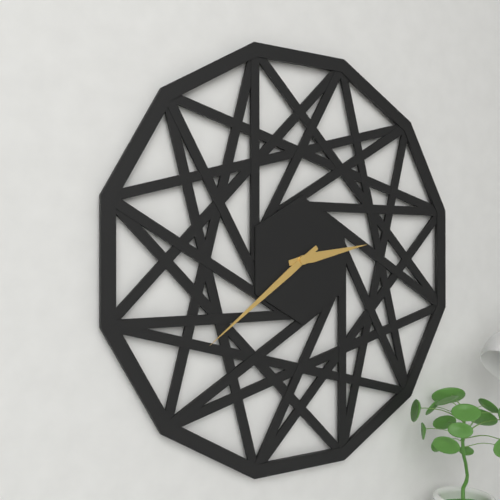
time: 2:39
